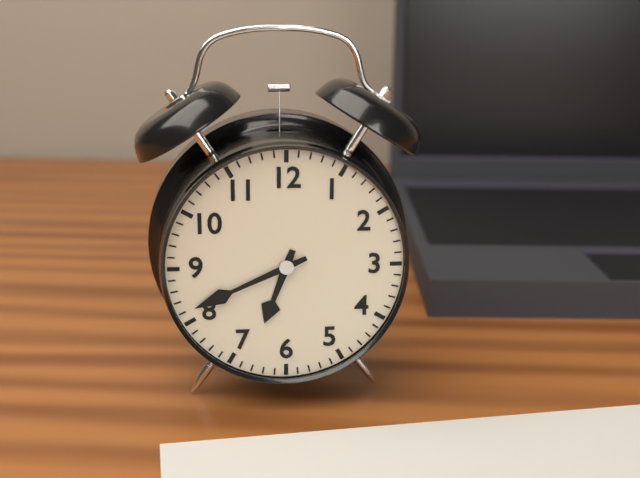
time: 6:41
